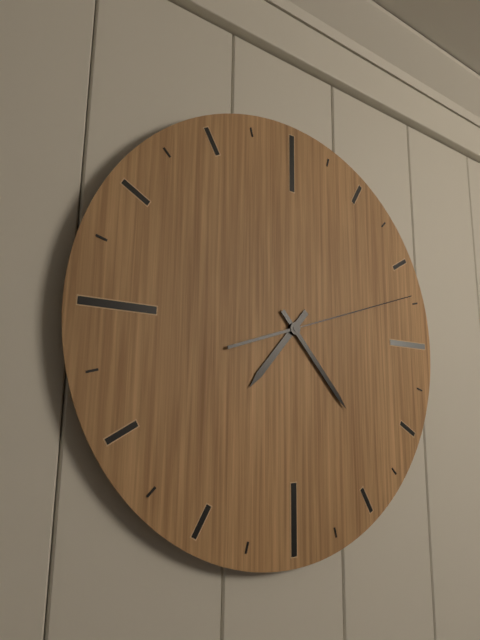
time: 7:23:12
